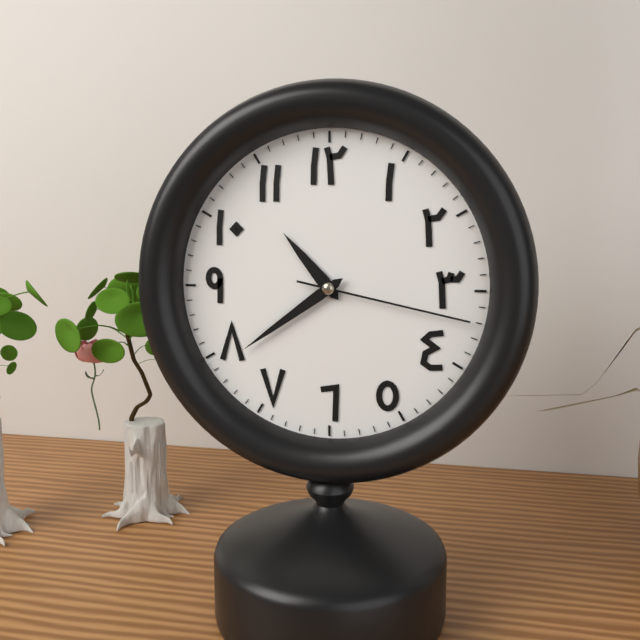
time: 10:39:17
